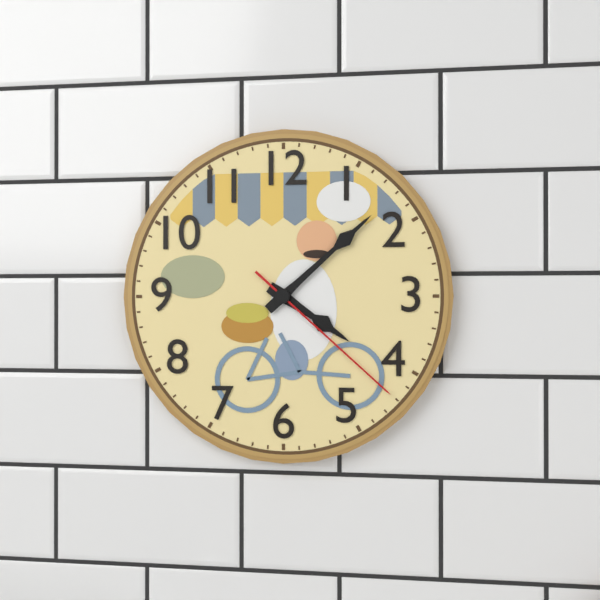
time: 4:08:22
